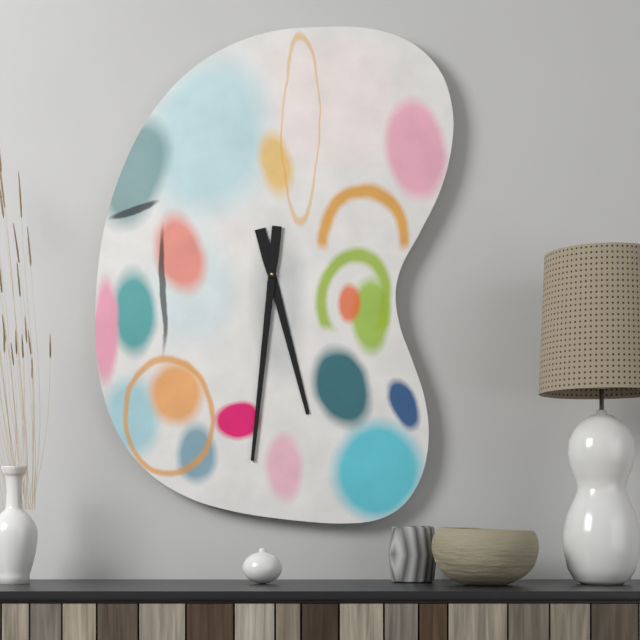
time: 5:31
